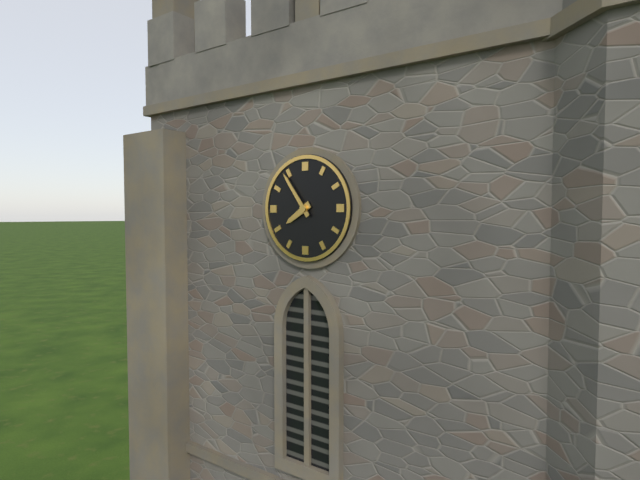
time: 7:54
